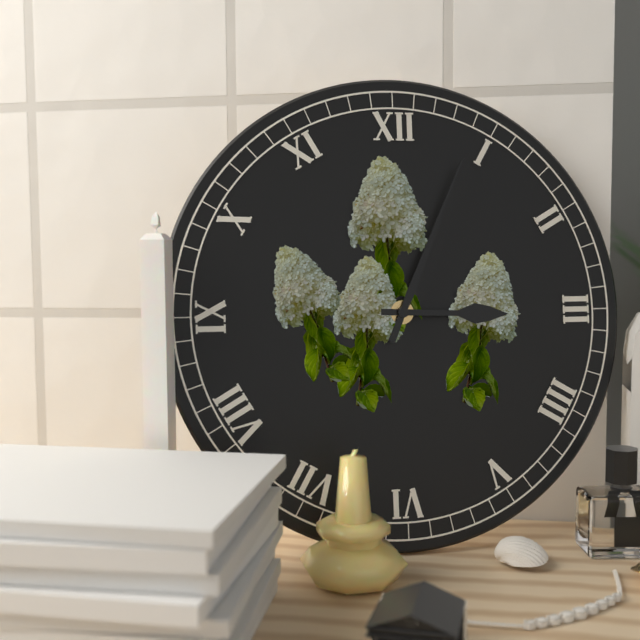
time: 3:04
